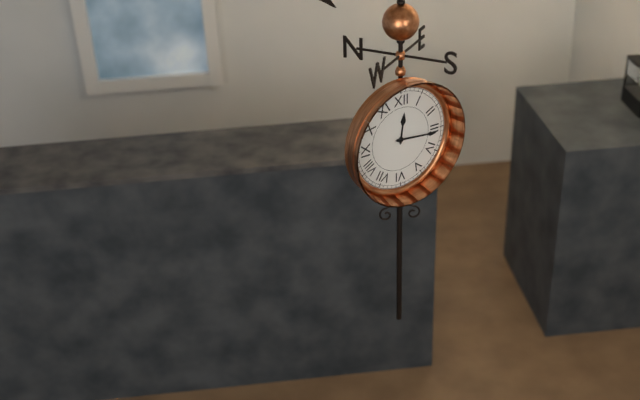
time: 12:16
